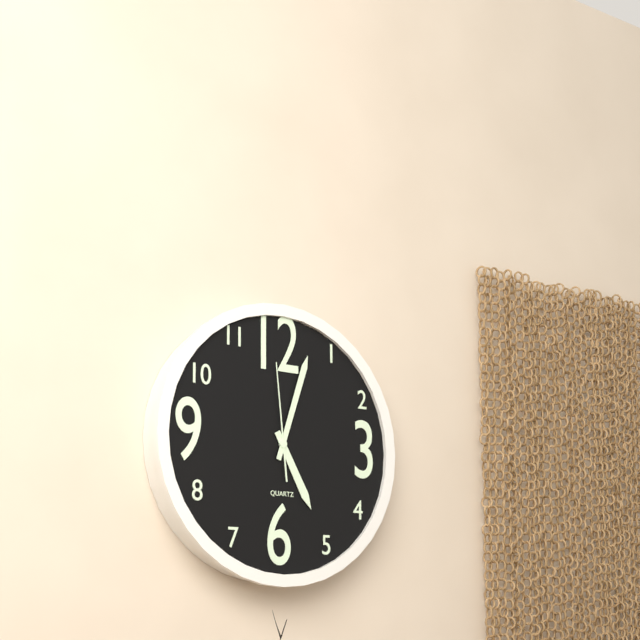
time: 5:03:59
